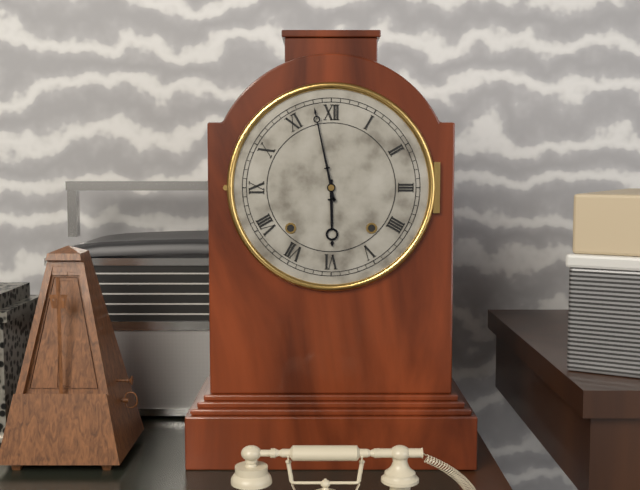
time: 5:58
